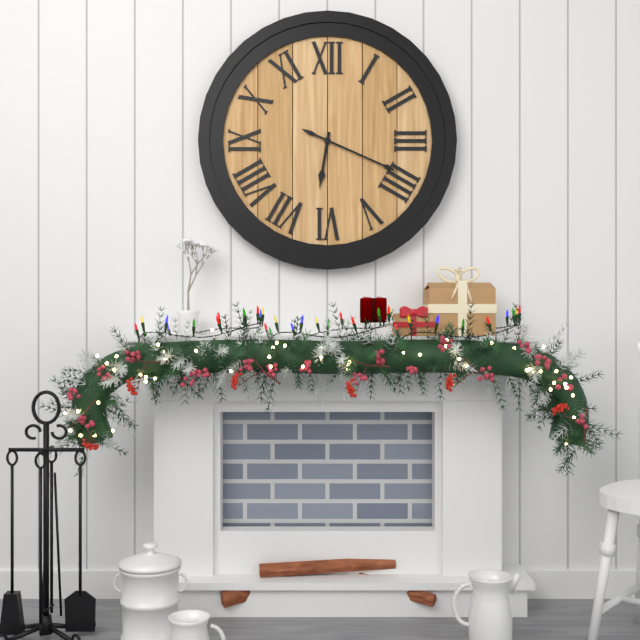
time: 6:19
